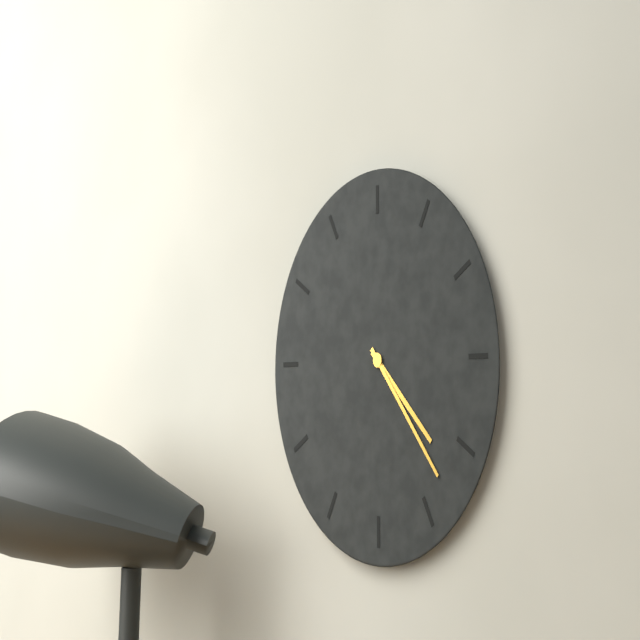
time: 4:23
